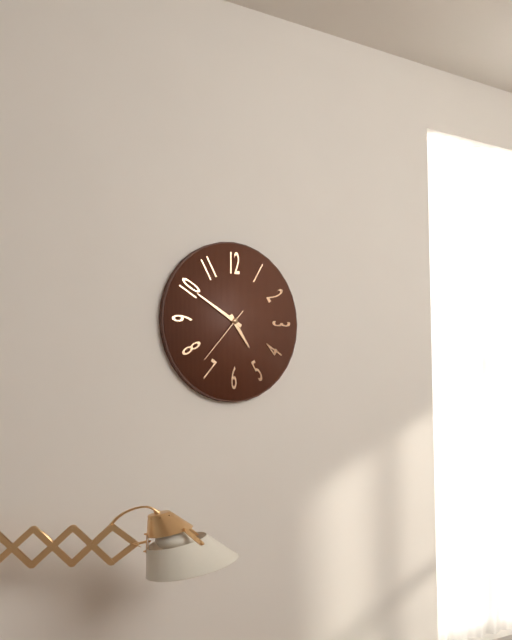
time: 4:50:37
